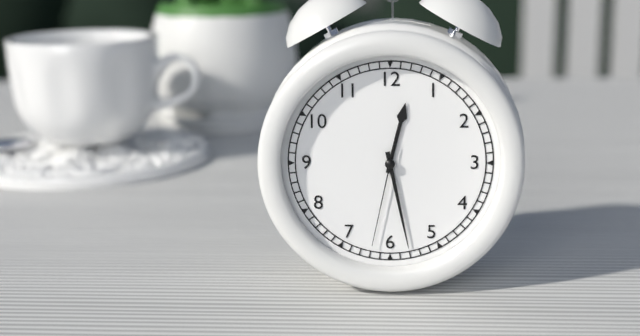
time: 12:28:32
